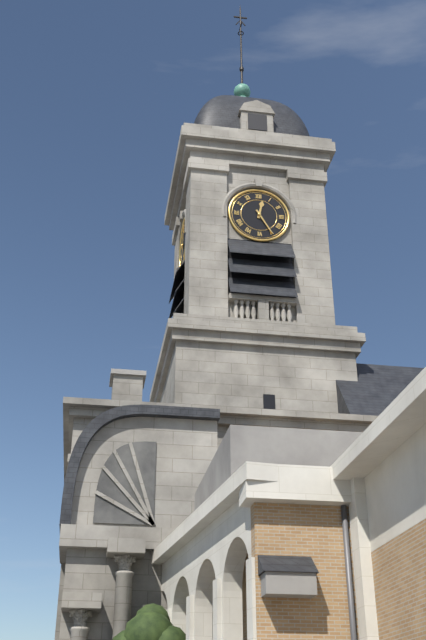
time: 12:25
